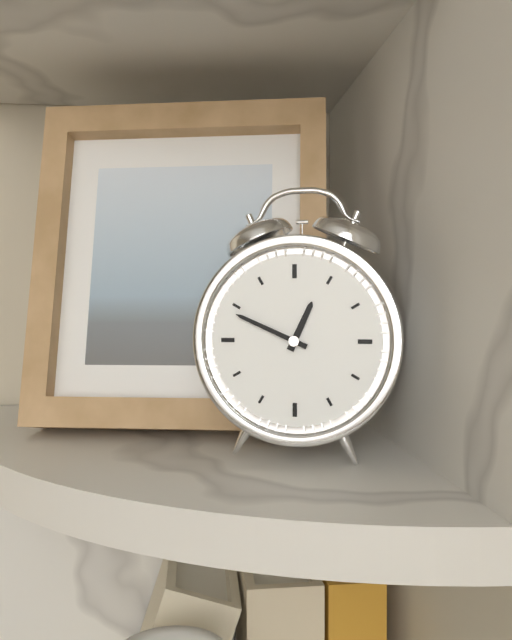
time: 12:49
